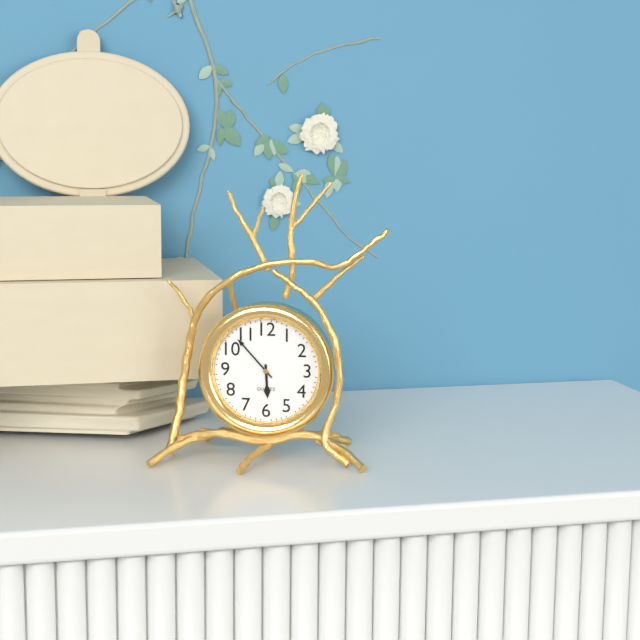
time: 5:53
